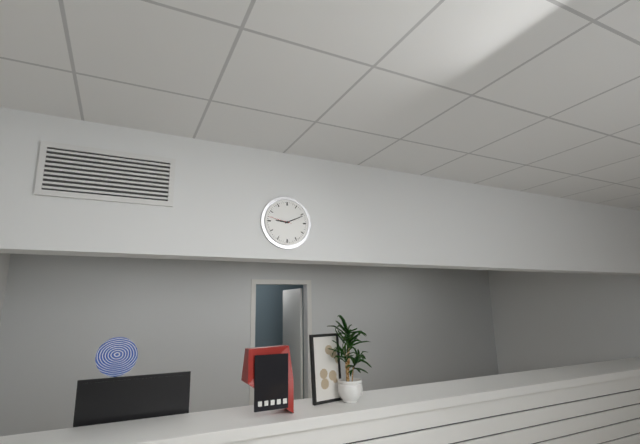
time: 9:11
